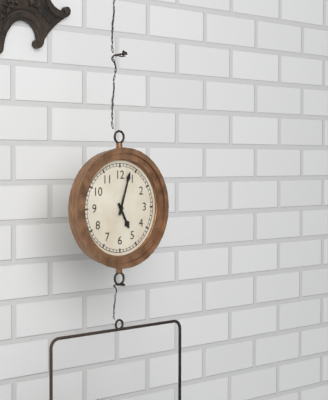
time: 5:03
